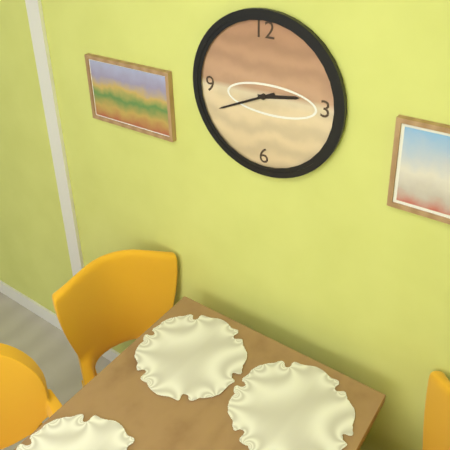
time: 2:41
